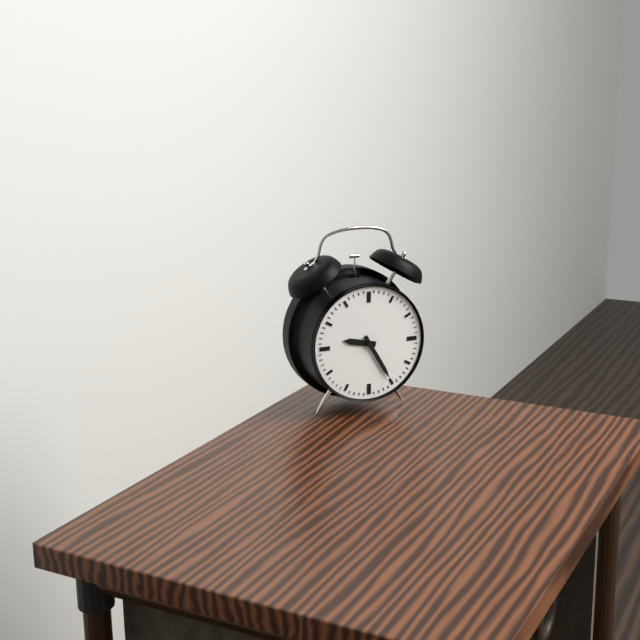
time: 9:25
